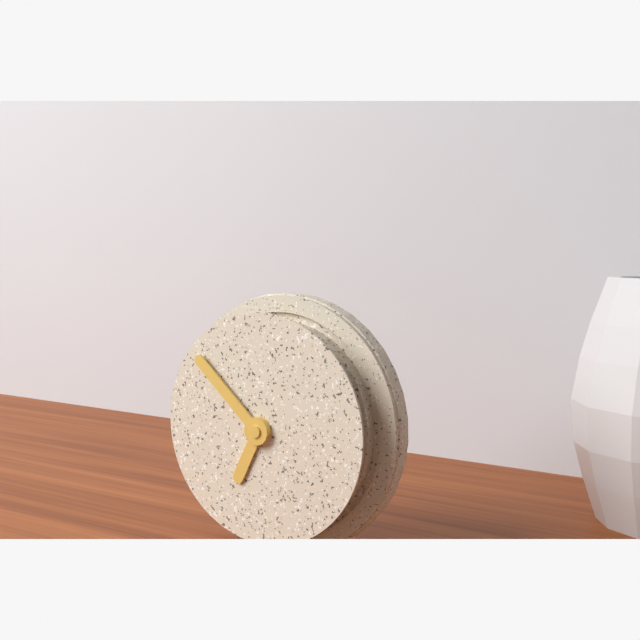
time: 6:52
